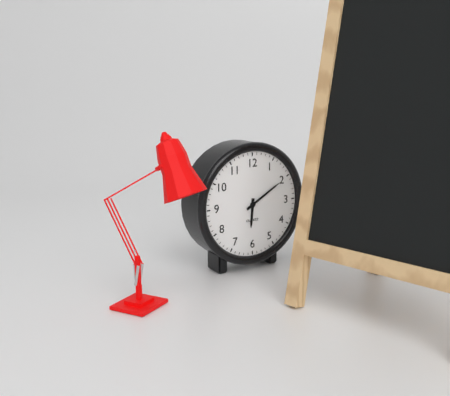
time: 6:10
